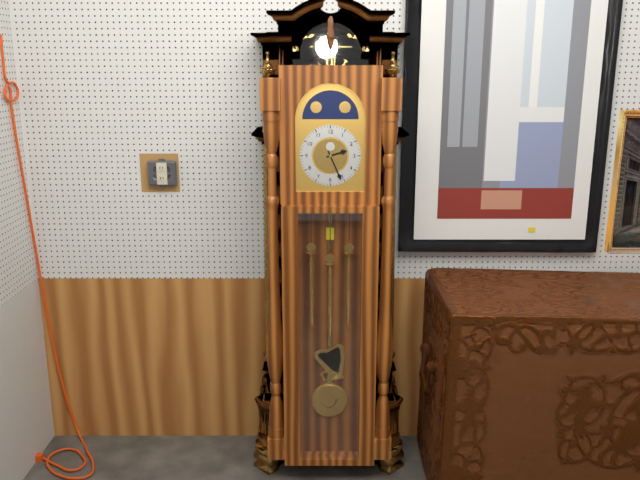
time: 2:26
